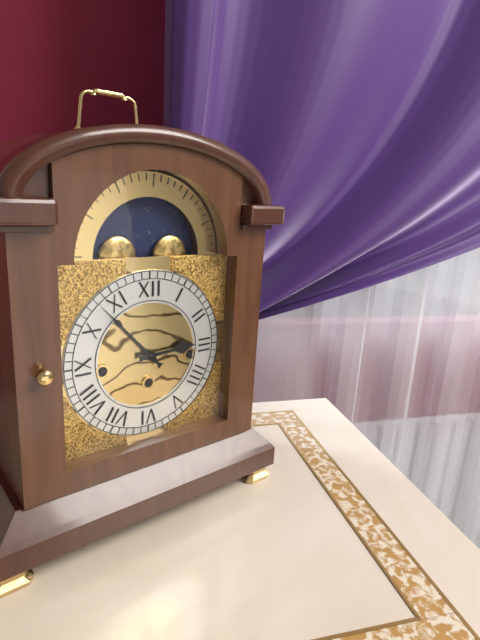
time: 2:53
